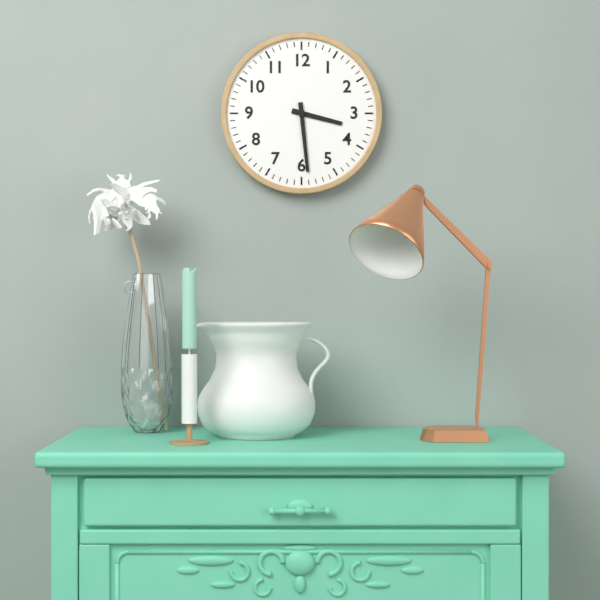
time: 3:29
